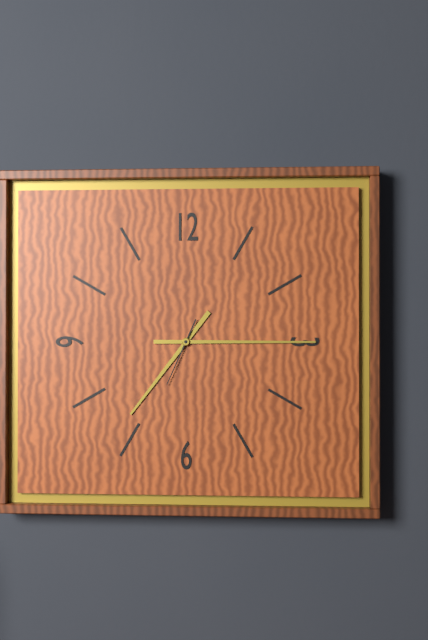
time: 7:15:34
